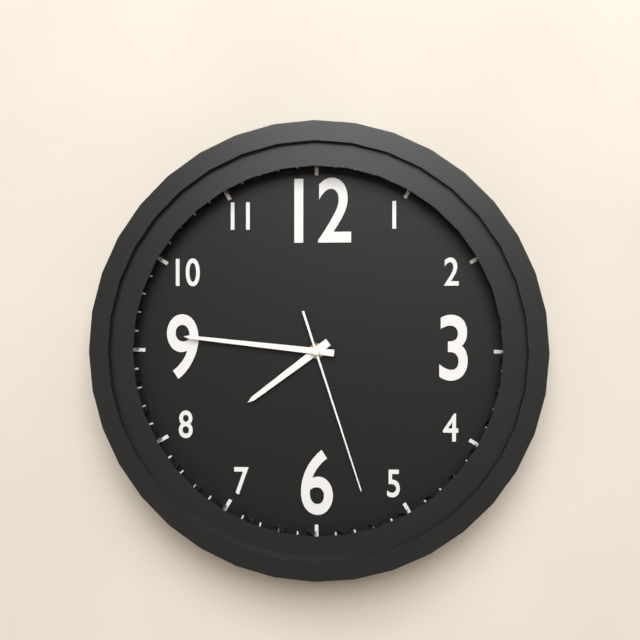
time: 7:46:27
